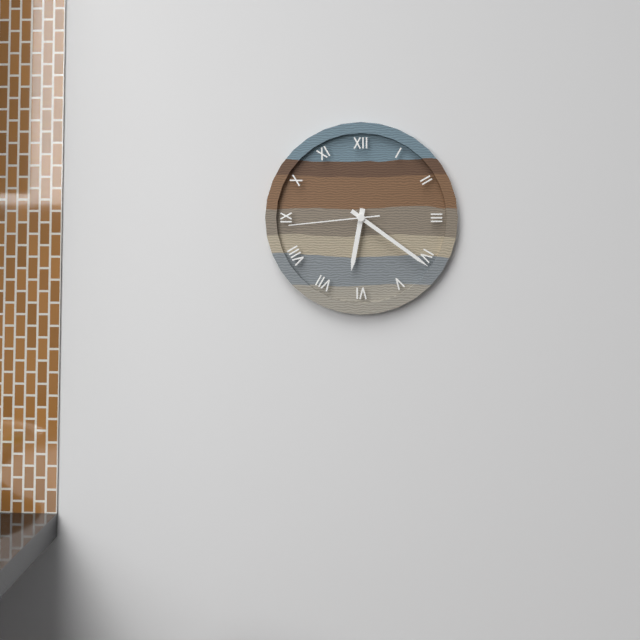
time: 6:21:44
